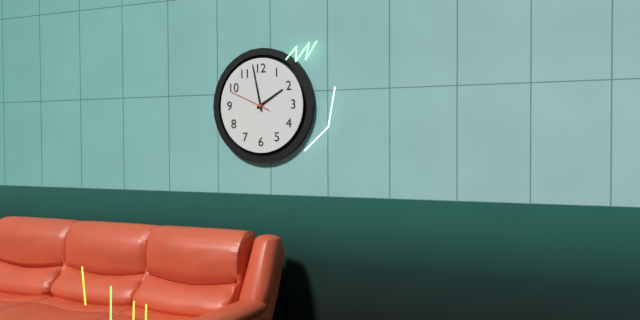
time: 1:58
